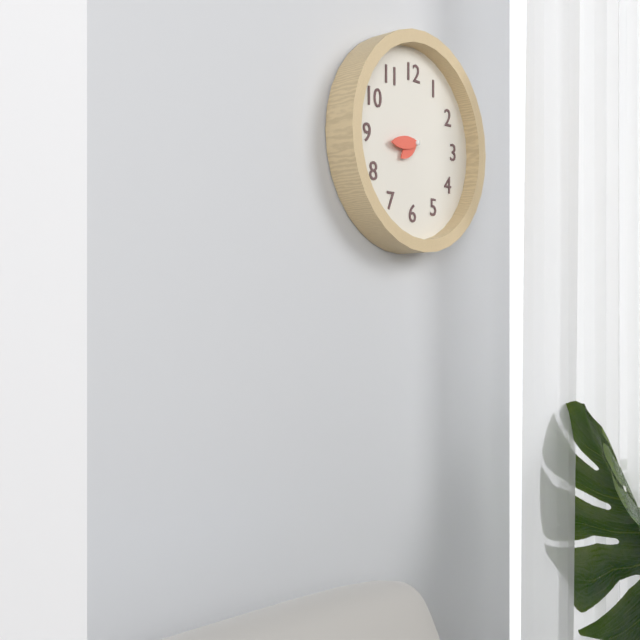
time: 7:44
